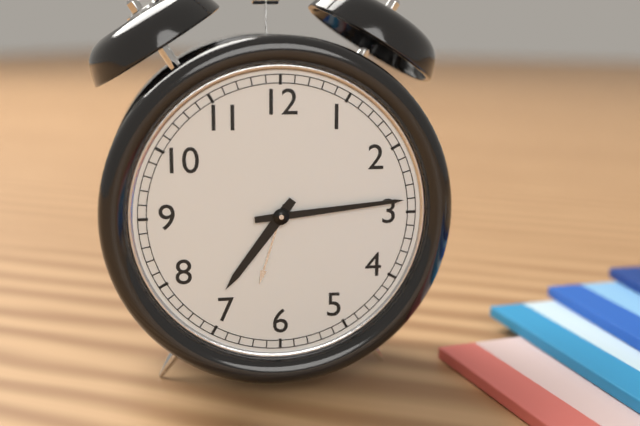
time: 7:14
